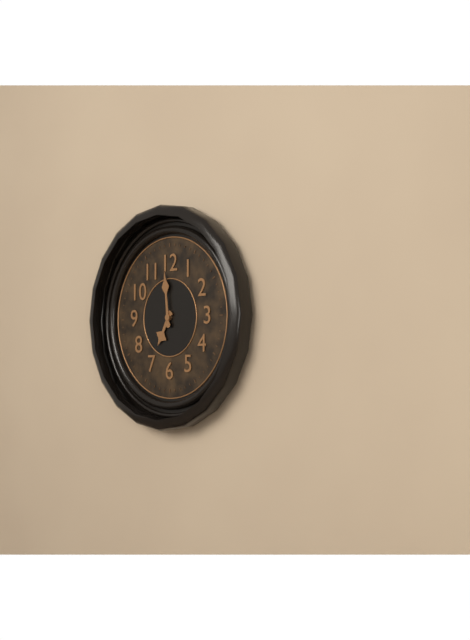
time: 6:59
